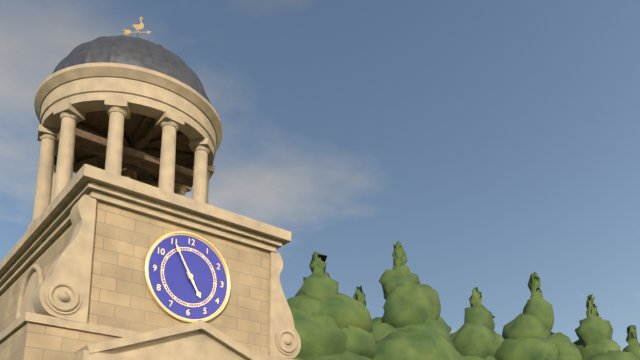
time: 4:55
